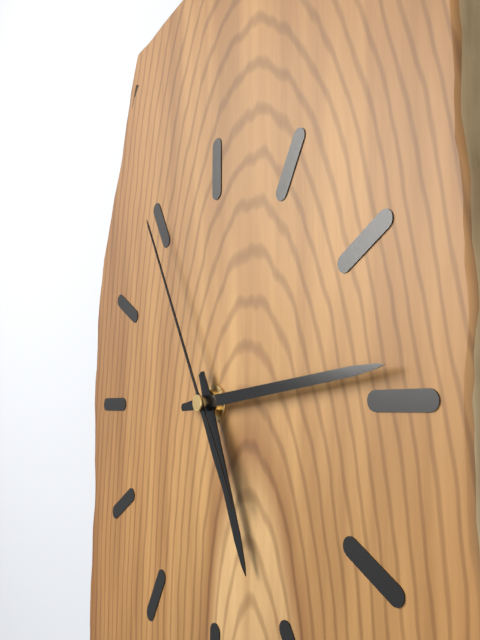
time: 5:14:55
